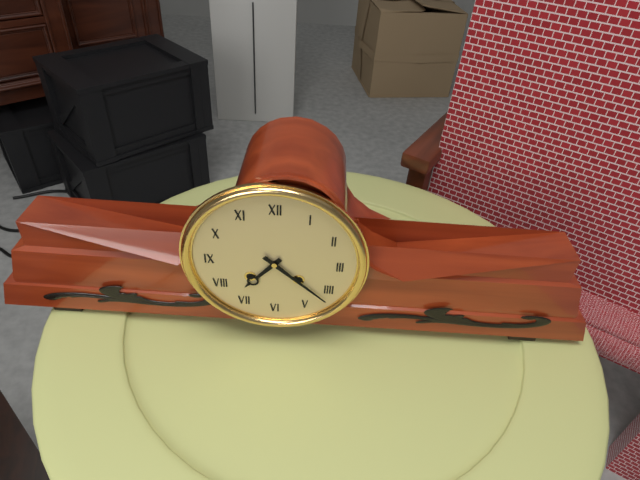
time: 7:22
